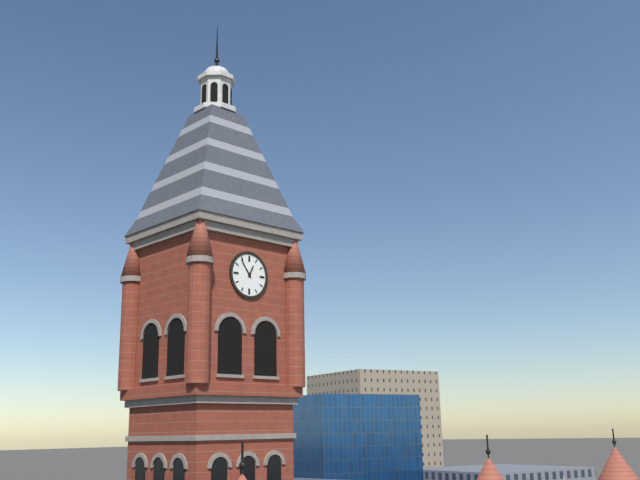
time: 12:54
